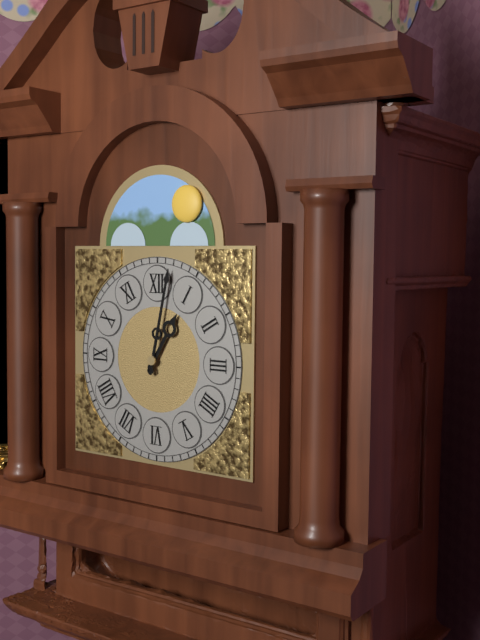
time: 1:02
